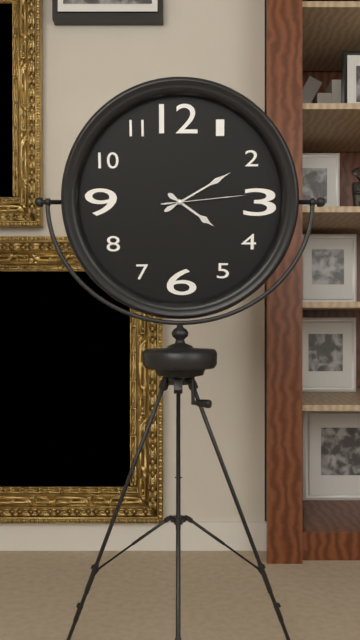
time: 4:10:14
